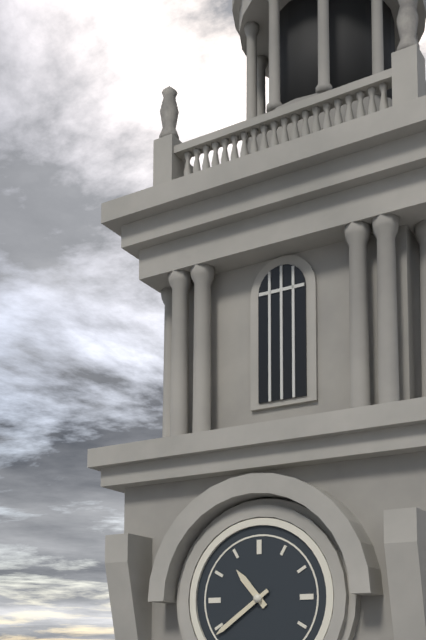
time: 10:39
